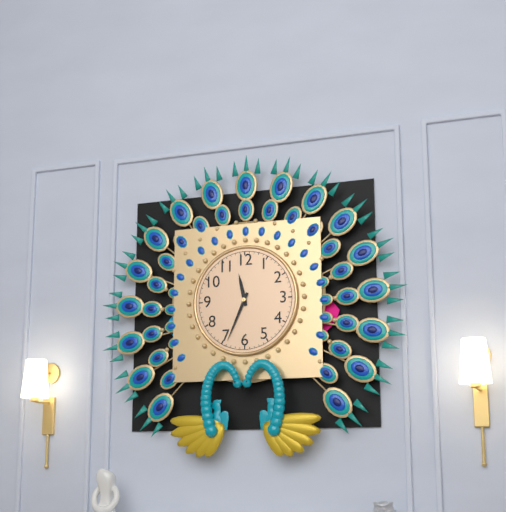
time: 11:34
